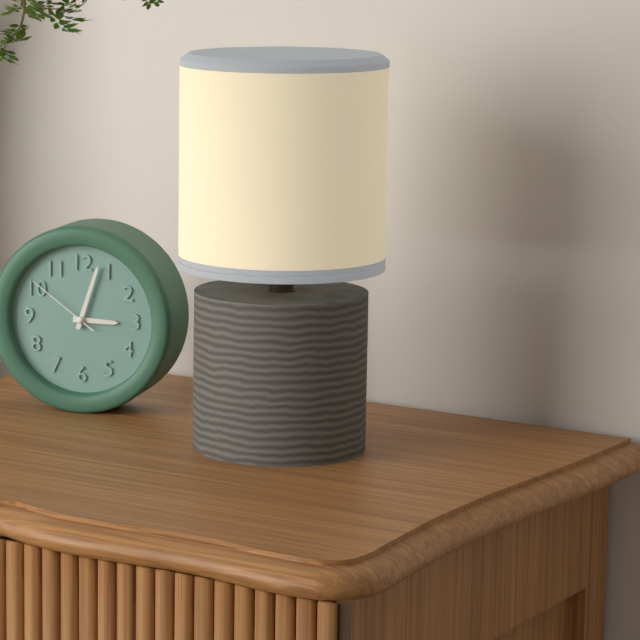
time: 3:03:51
